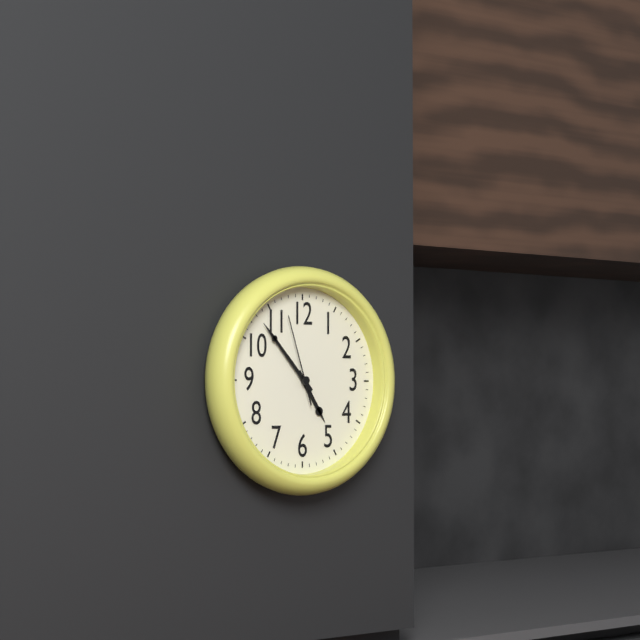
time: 4:53:57
